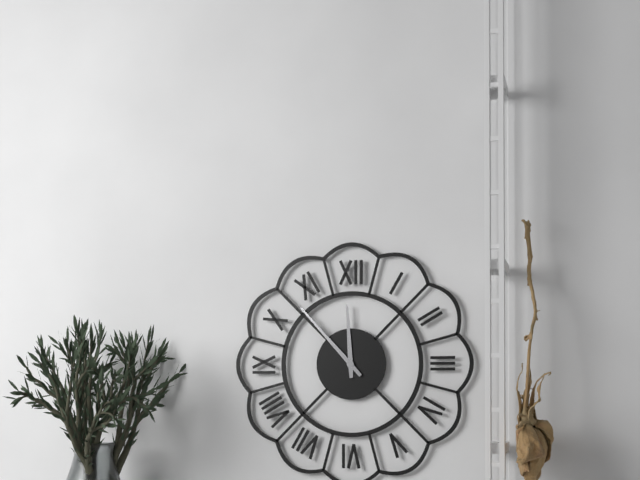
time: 11:53
